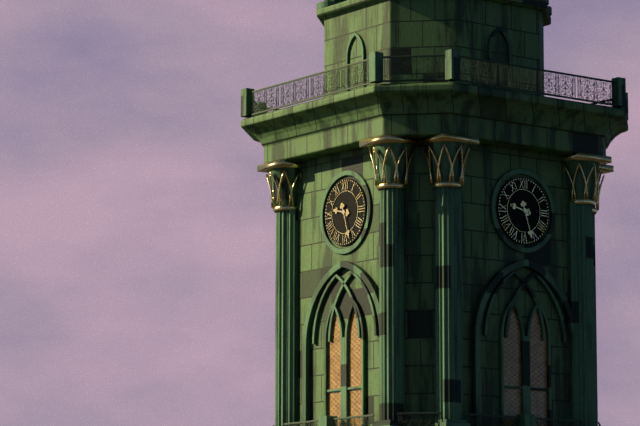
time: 9:27
